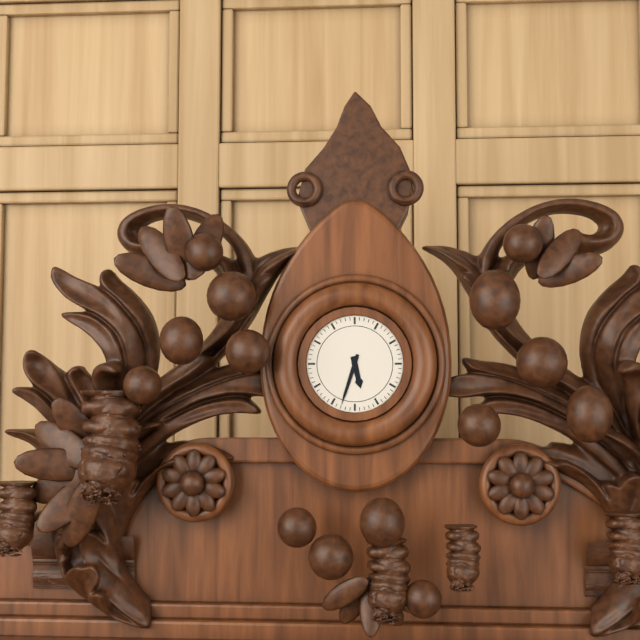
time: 5:33
